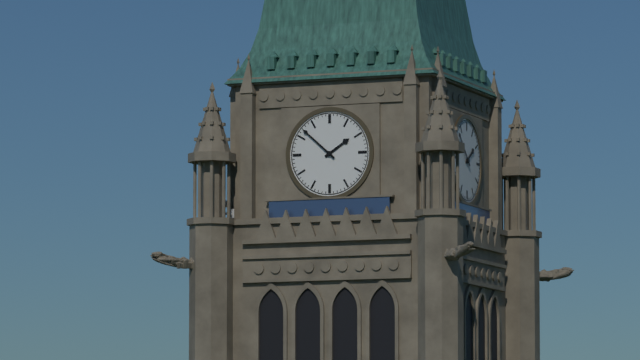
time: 1:52
